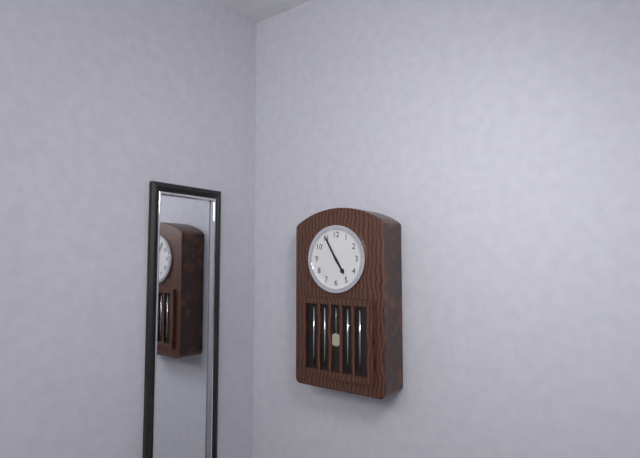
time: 4:55
